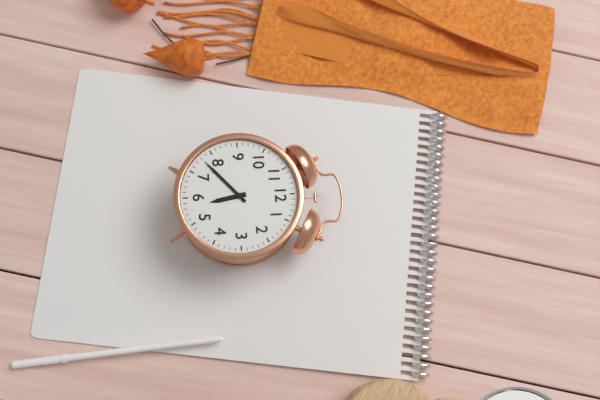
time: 5:38
